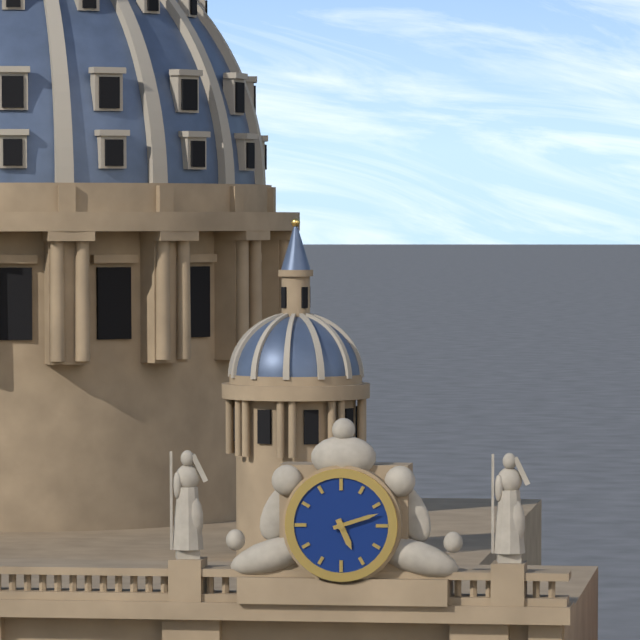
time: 5:12
